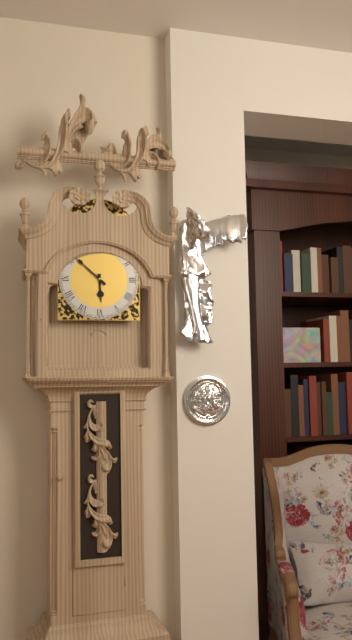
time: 5:52
